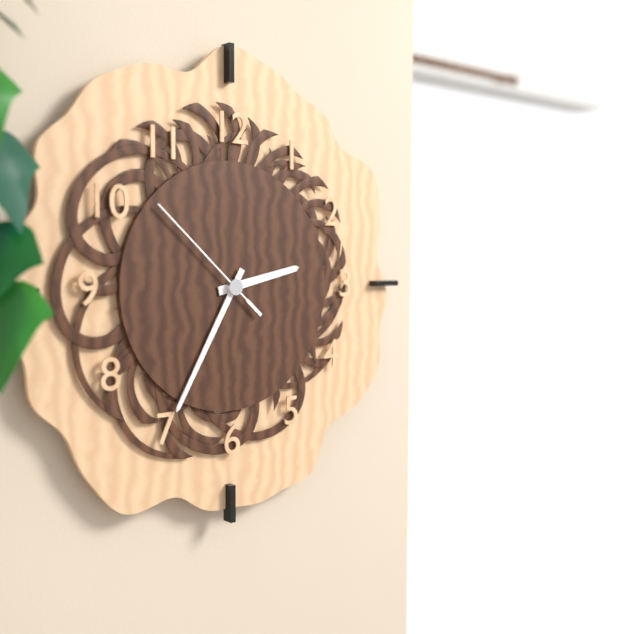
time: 2:35:52
